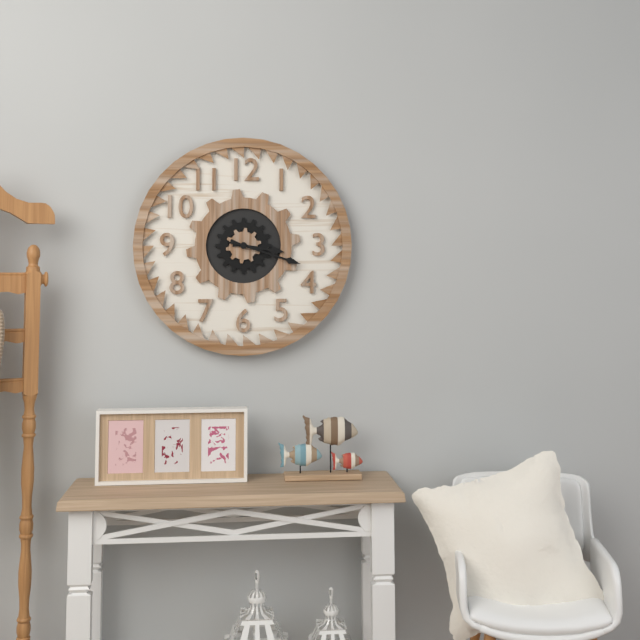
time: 3:18
